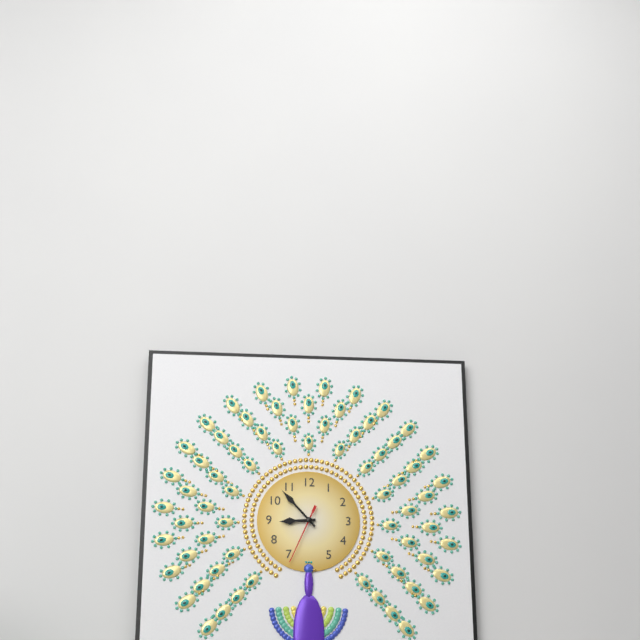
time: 8:53:34
